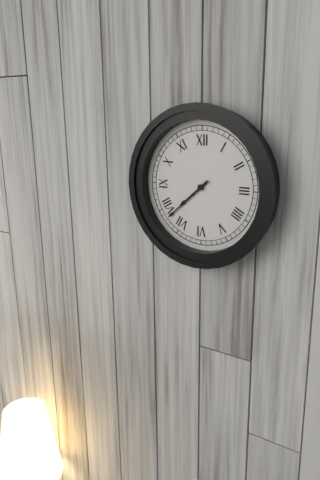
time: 7:38
